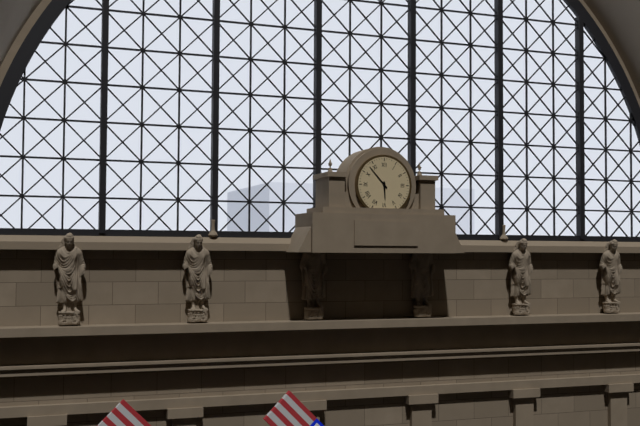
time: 5:53
